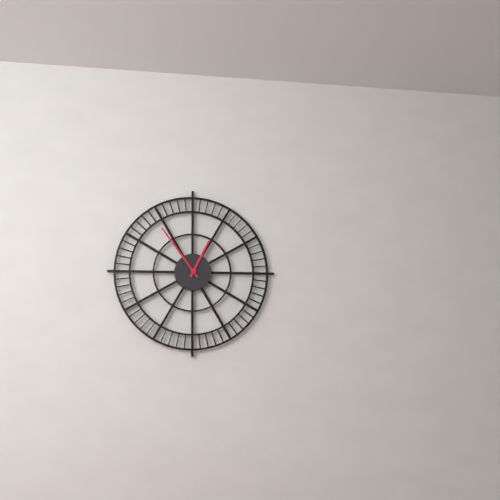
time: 12:54
